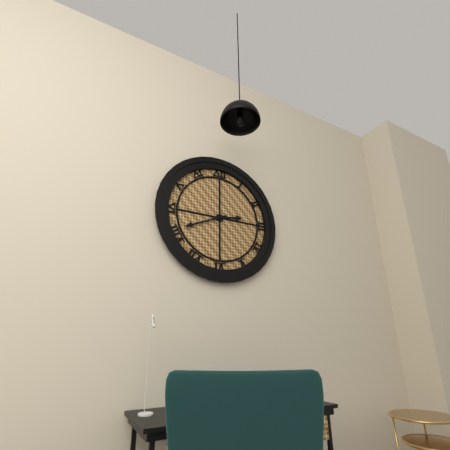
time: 2:41
